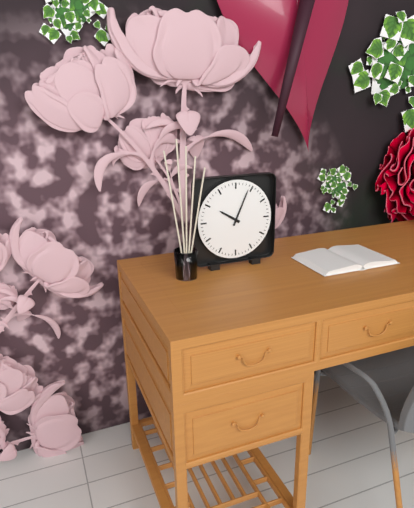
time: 10:04
